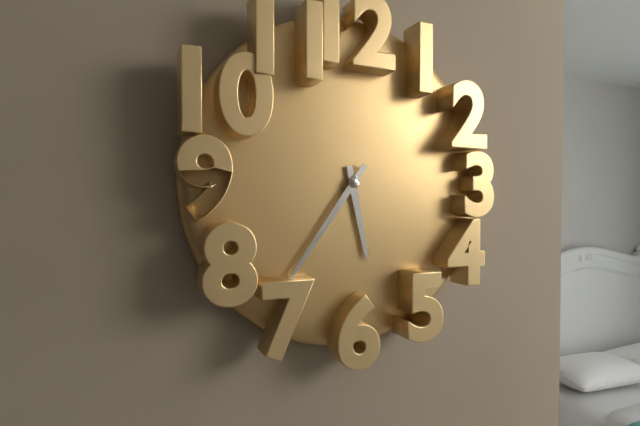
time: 5:36
